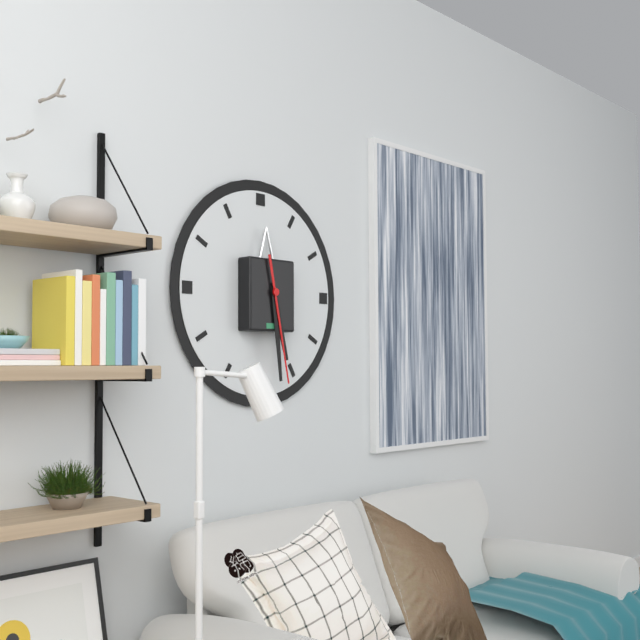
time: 5:29:28
